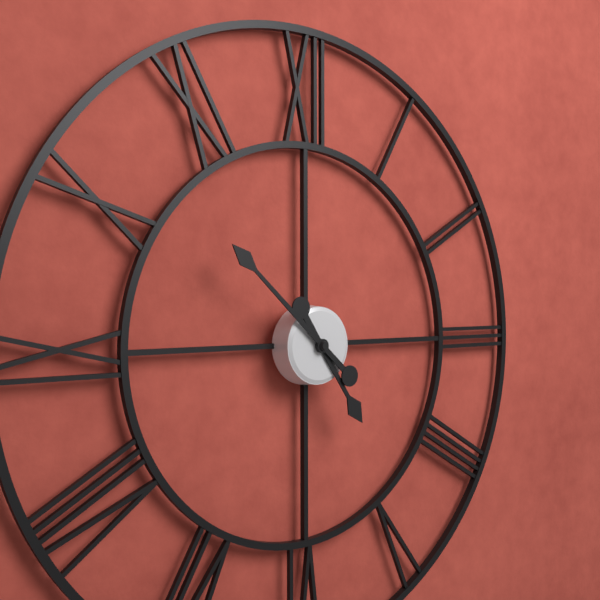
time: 4:52
